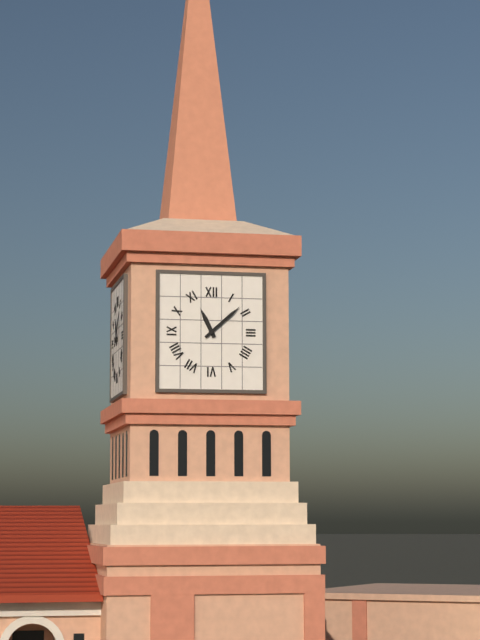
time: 11:08
